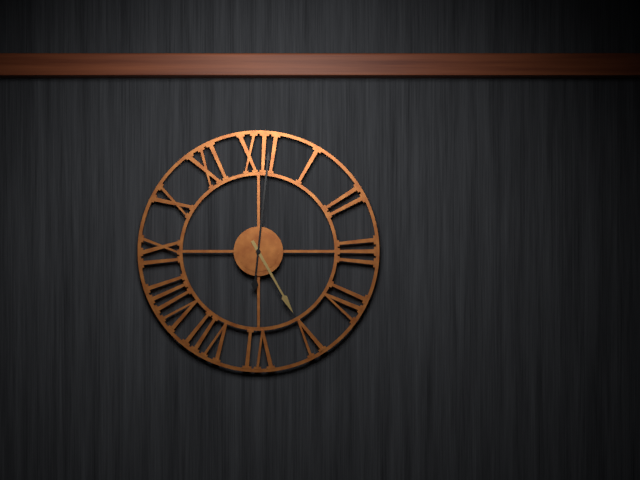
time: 5:01
